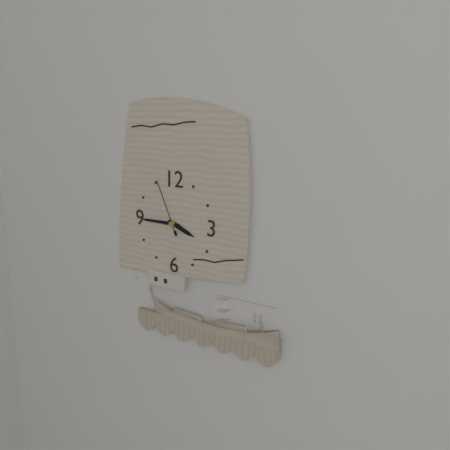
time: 3:45:56
